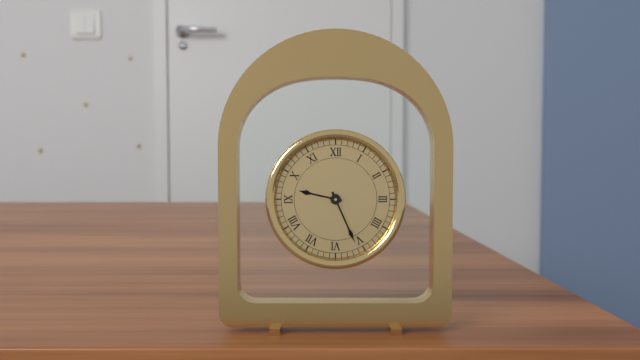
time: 9:26
